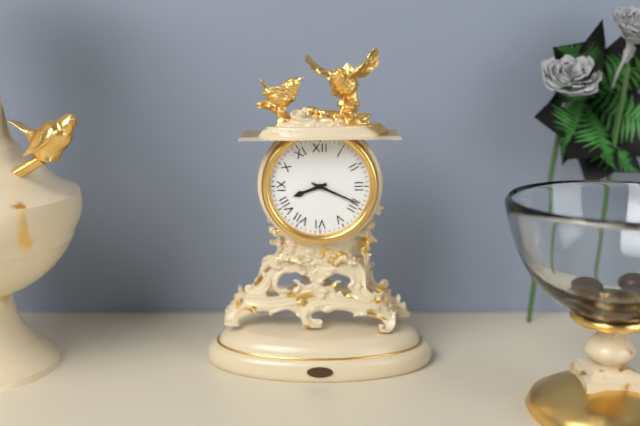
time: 8:19
